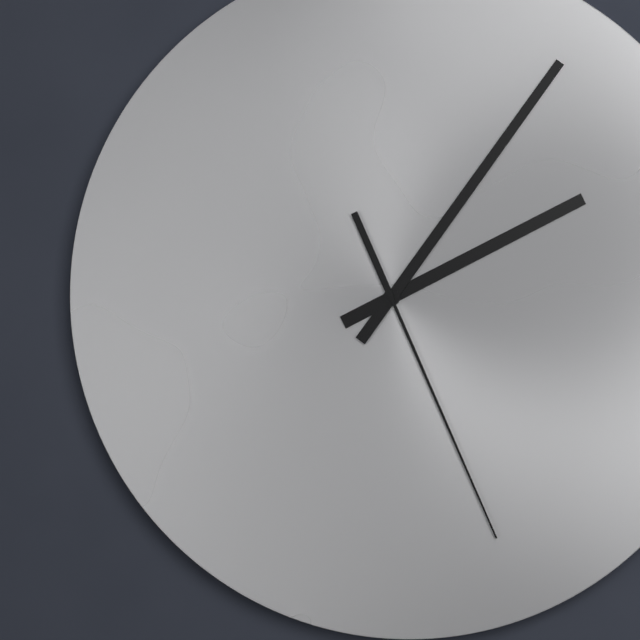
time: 2:06:26
